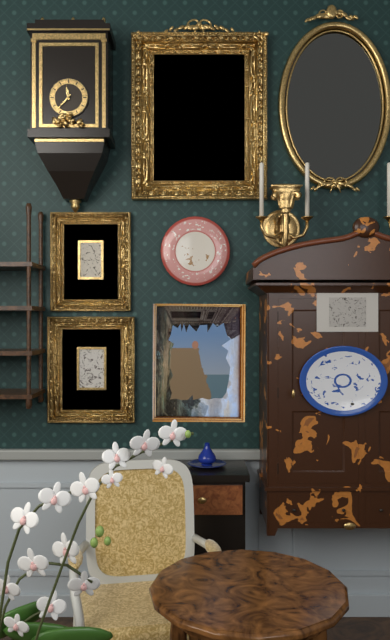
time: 11:37
